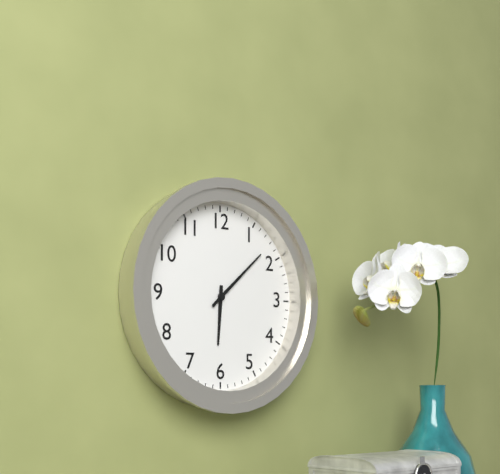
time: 6:08
